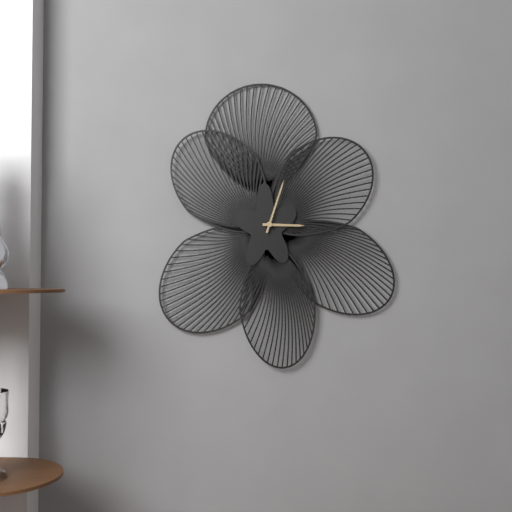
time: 3:03
